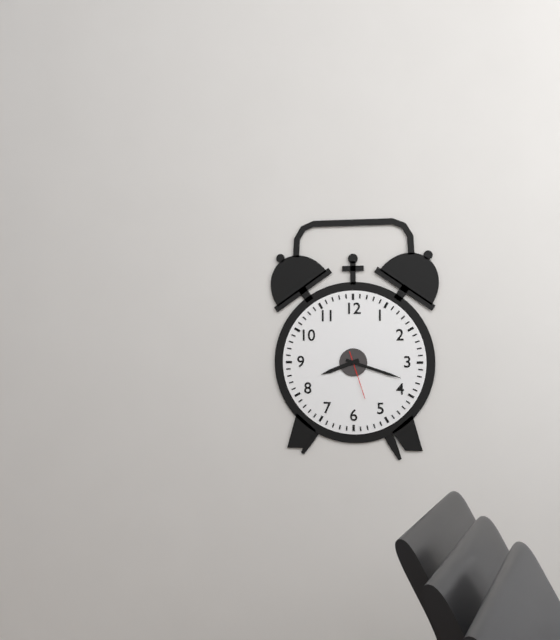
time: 8:18
